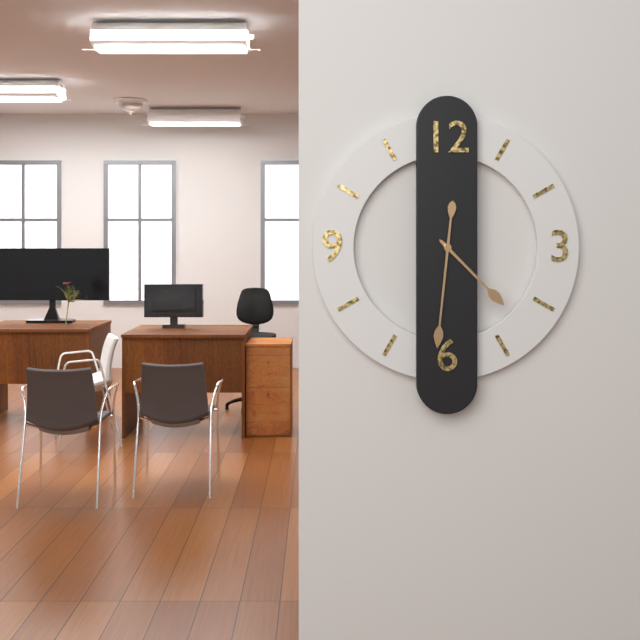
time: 4:31
